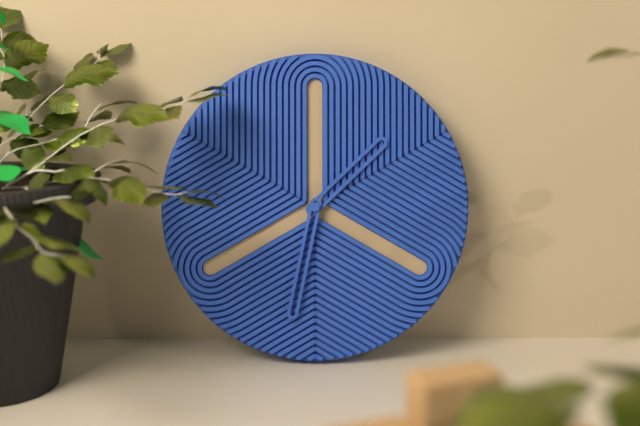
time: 1:32
